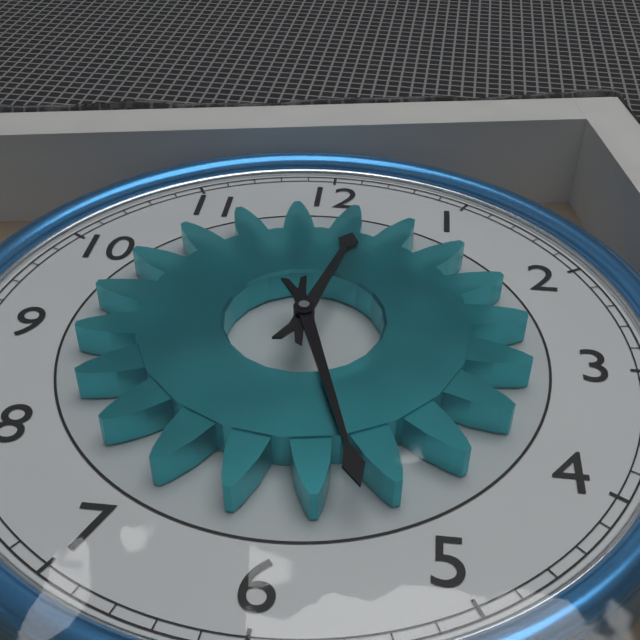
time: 12:27
